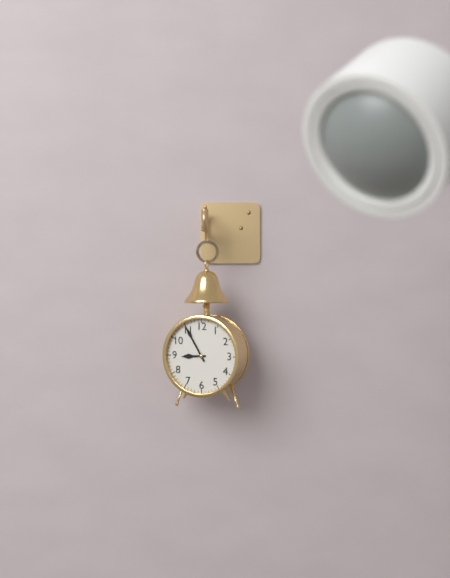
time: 8:55
